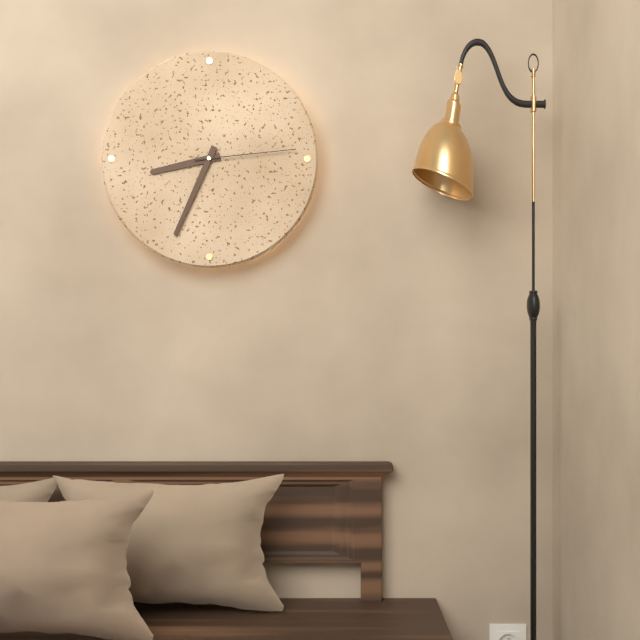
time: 8:34:14
